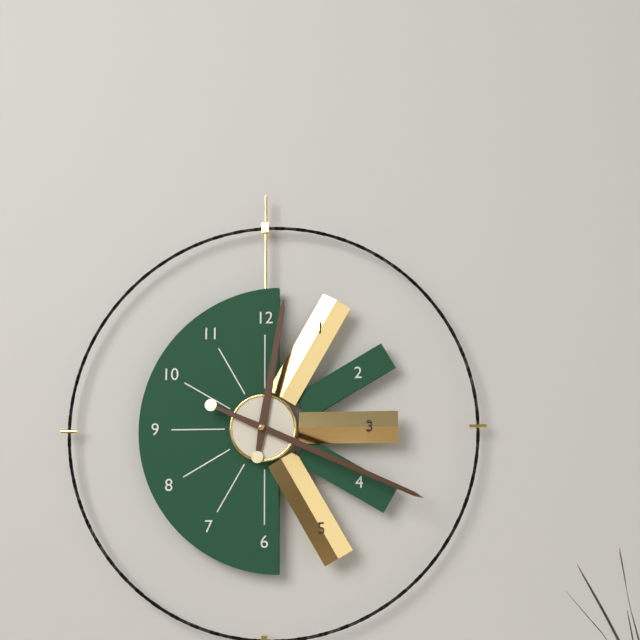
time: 12:19
